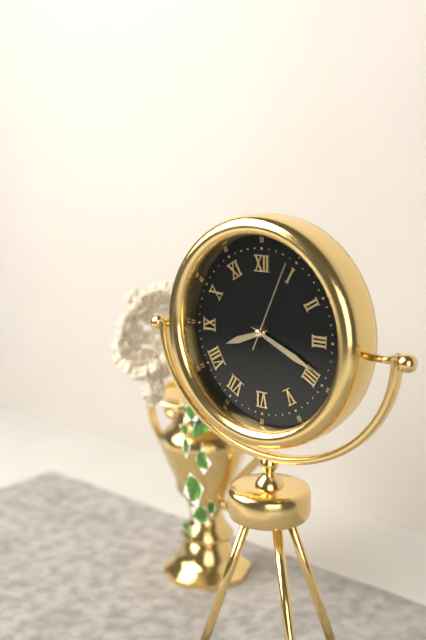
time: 8:19:04
